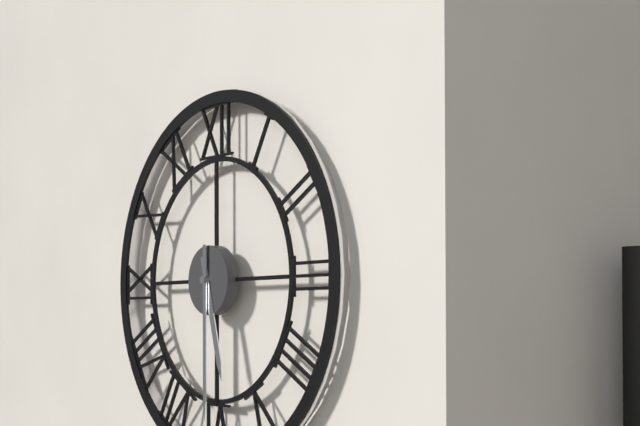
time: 5:30
